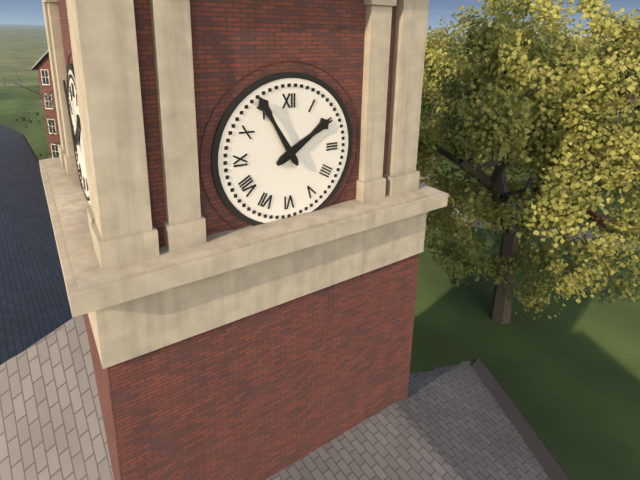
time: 1:55
